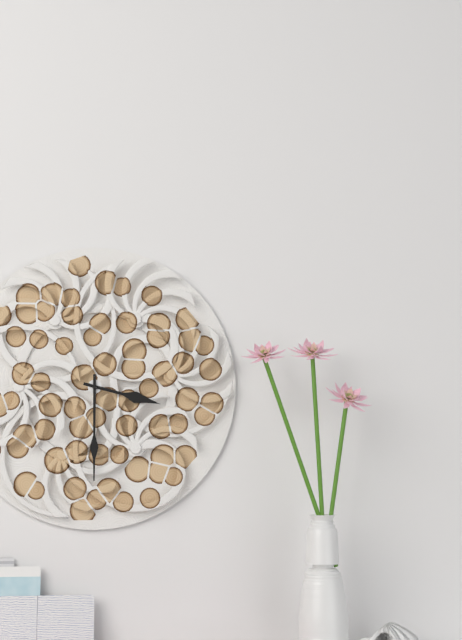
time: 3:30
